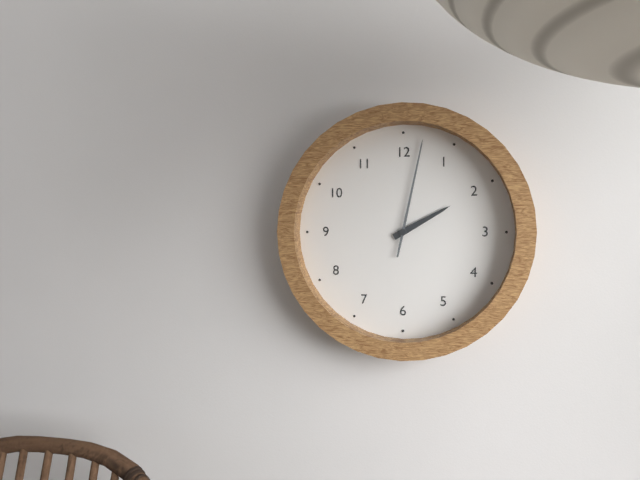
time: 2:02
